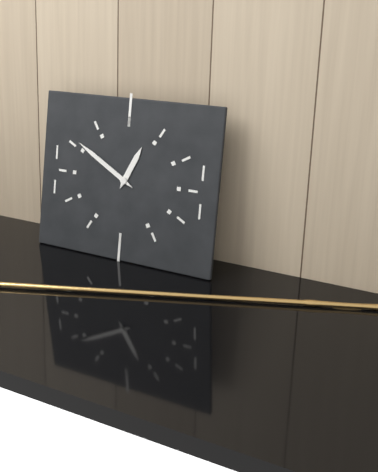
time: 12:50
